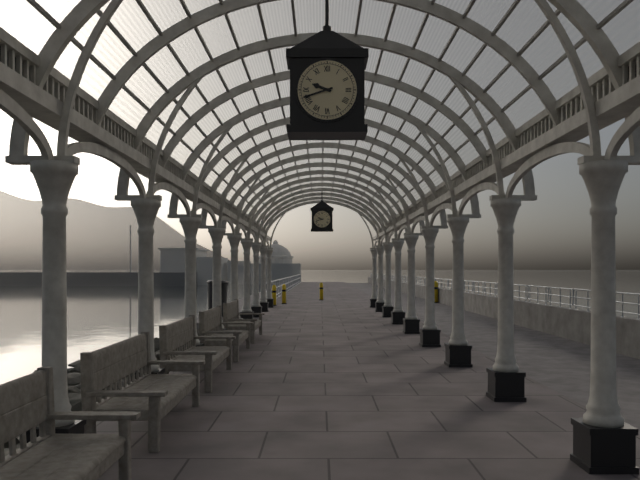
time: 9:42
